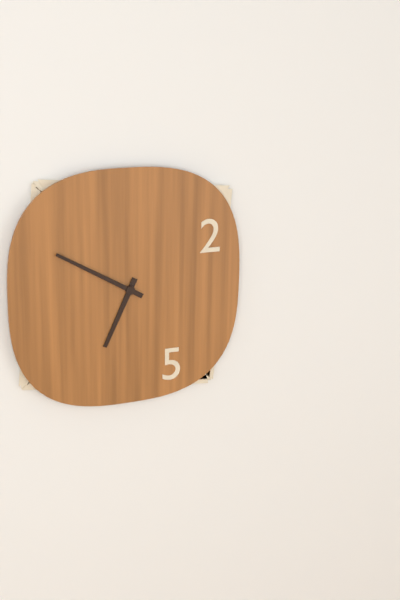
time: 6:50
